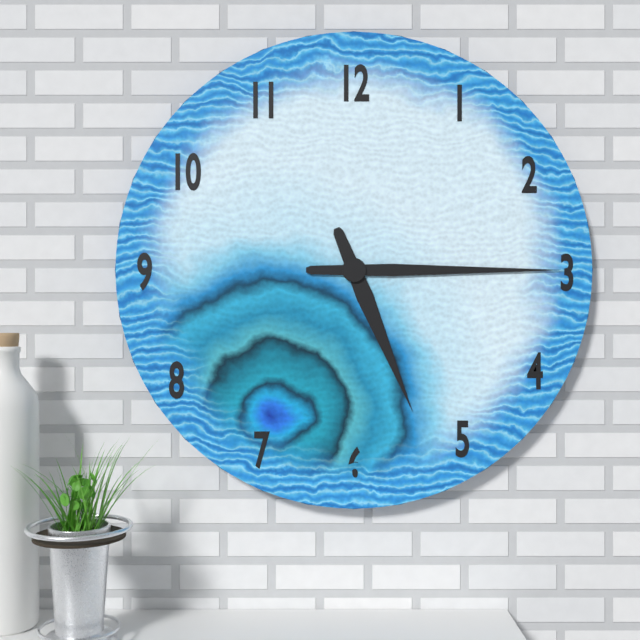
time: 5:15
